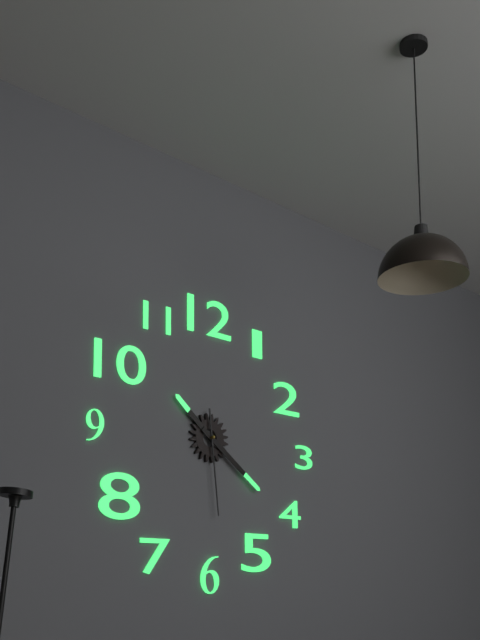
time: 10:21:29
